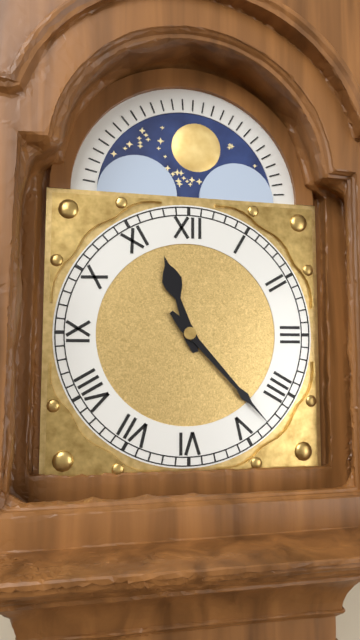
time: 11:23
